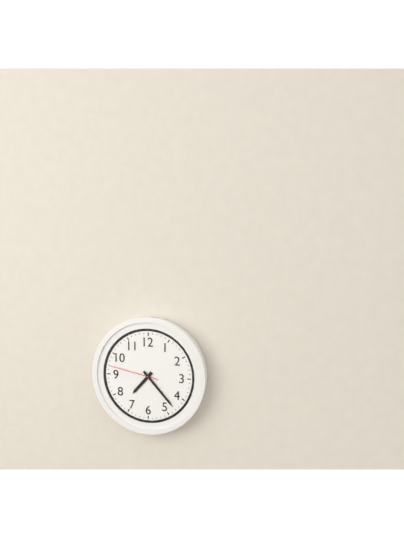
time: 7:23:47
